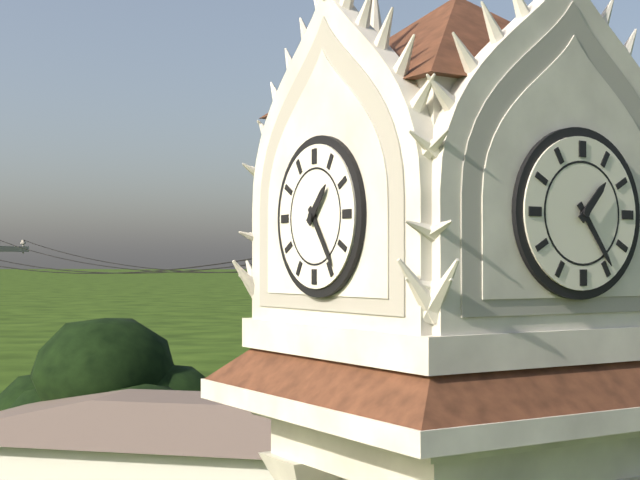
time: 1:24
